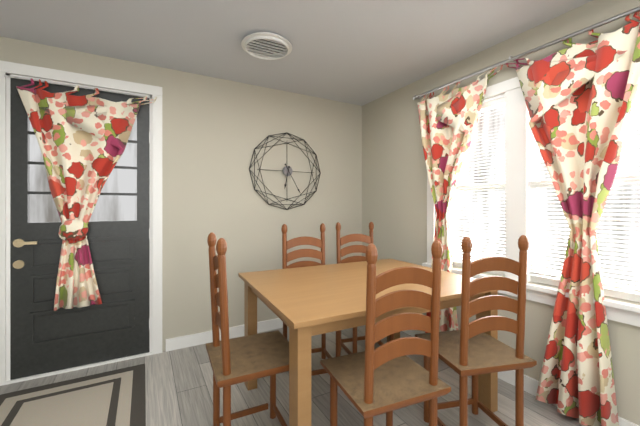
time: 6:25
